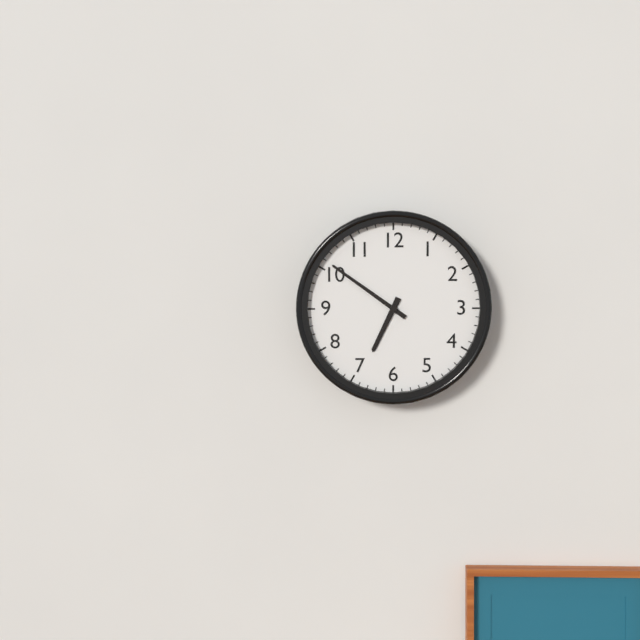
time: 6:51
